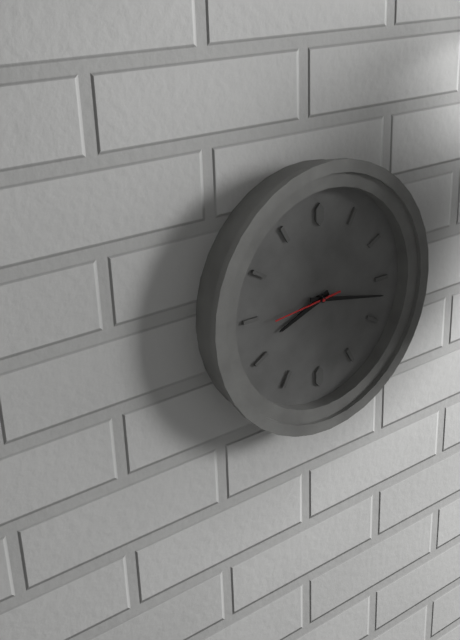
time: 8:17:44
